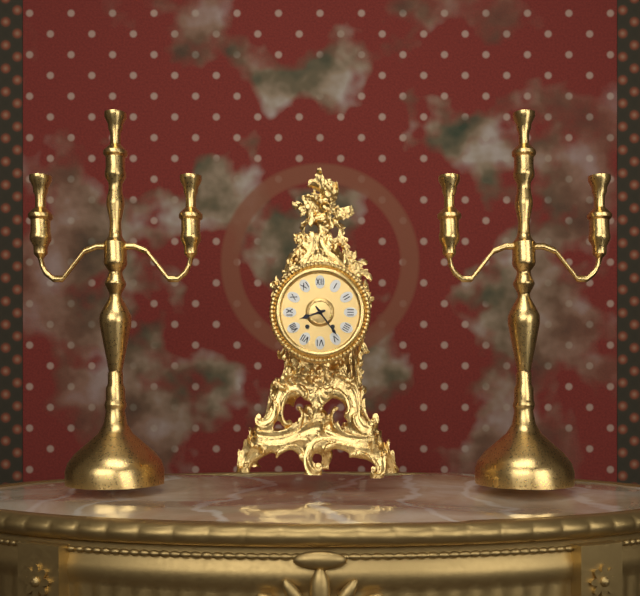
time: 8:24
